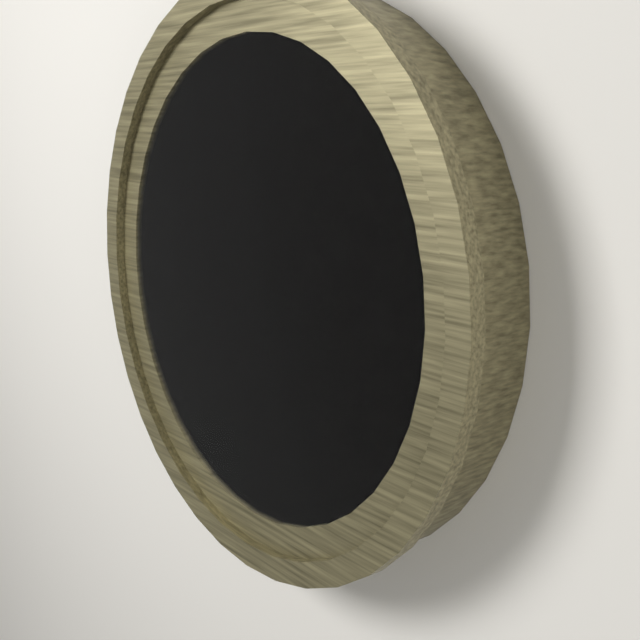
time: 11:20
